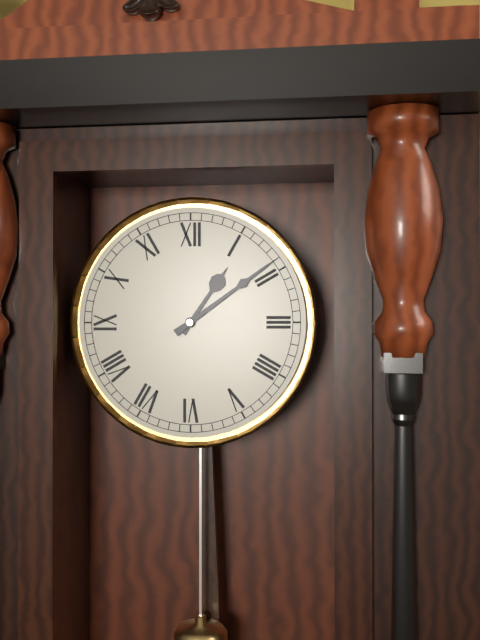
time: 1:09
